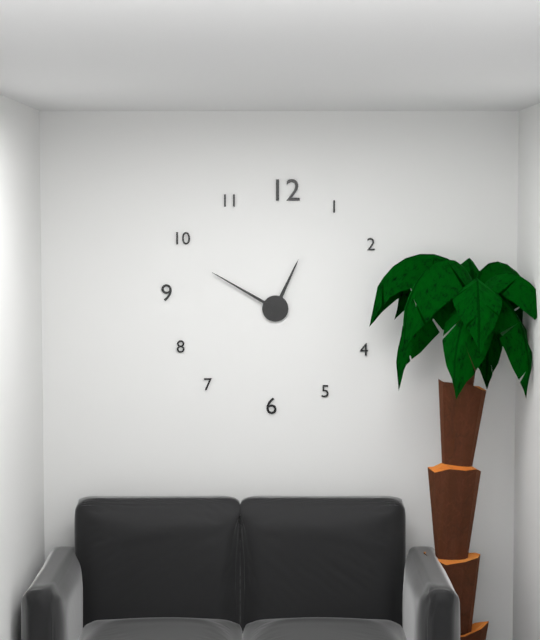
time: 12:50
